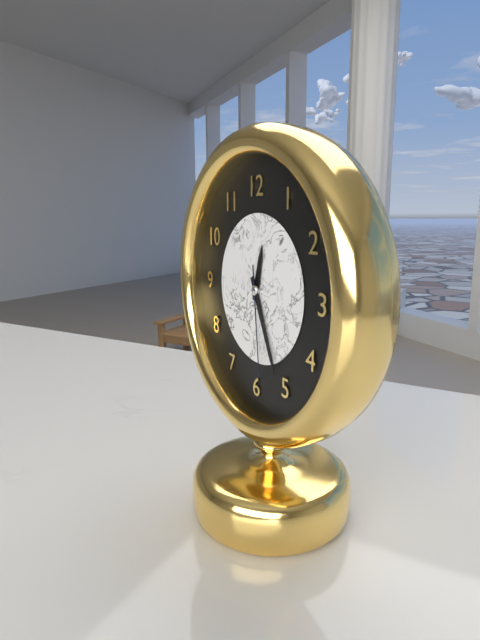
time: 12:26:29
